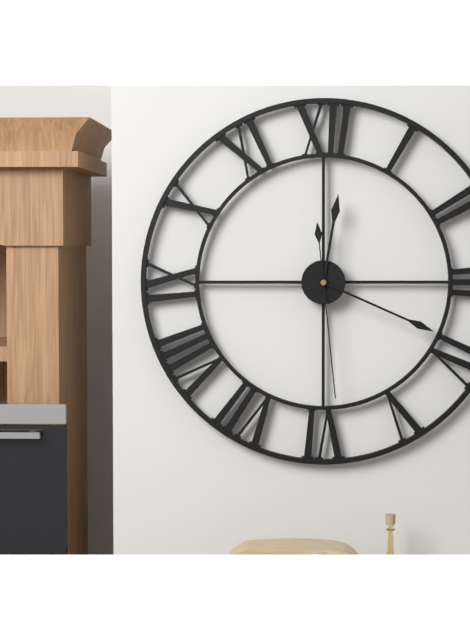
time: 12:19:29
